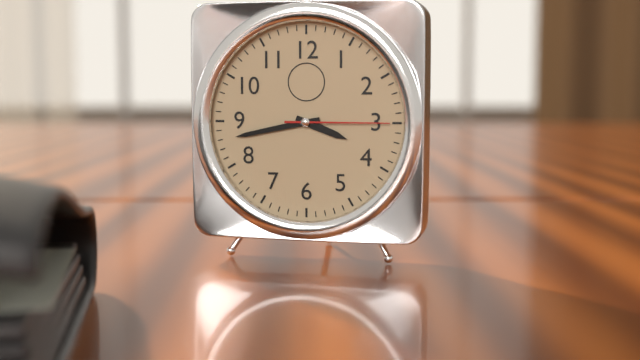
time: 3:43:15
